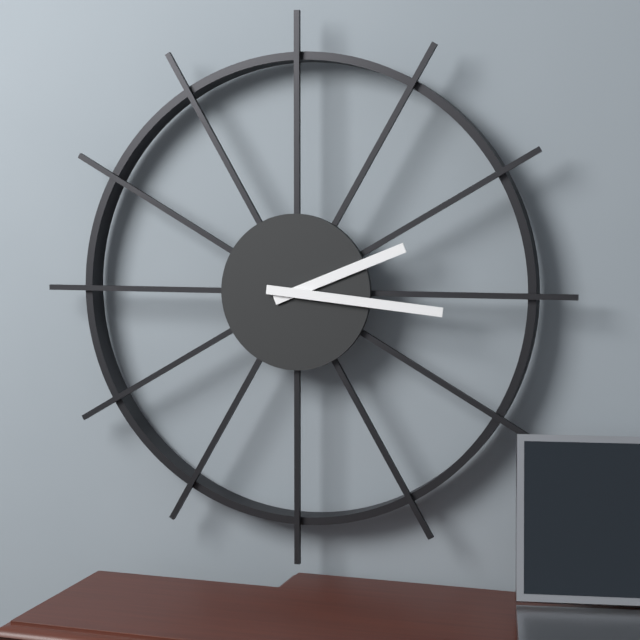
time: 2:16
